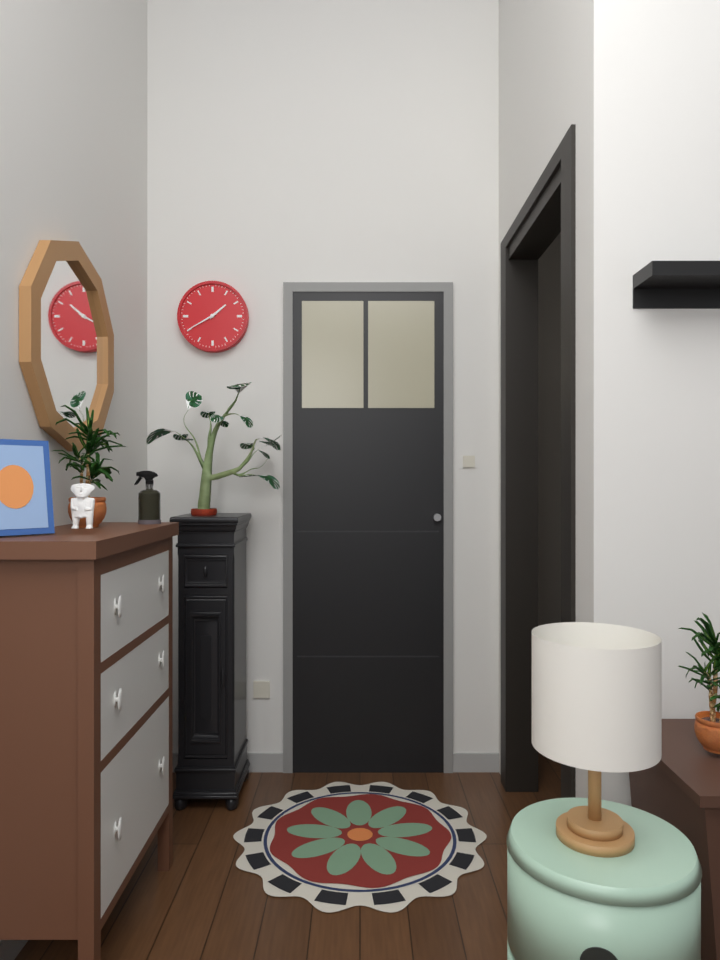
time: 1:40
